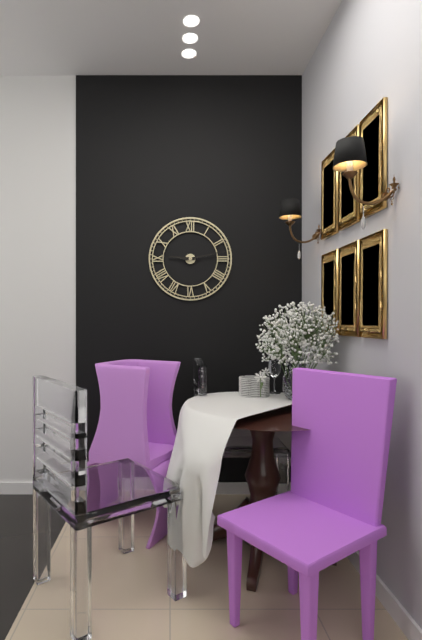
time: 9:13
